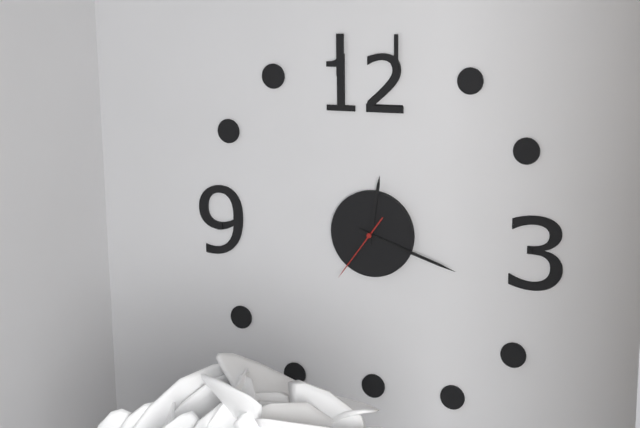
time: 12:18:36
